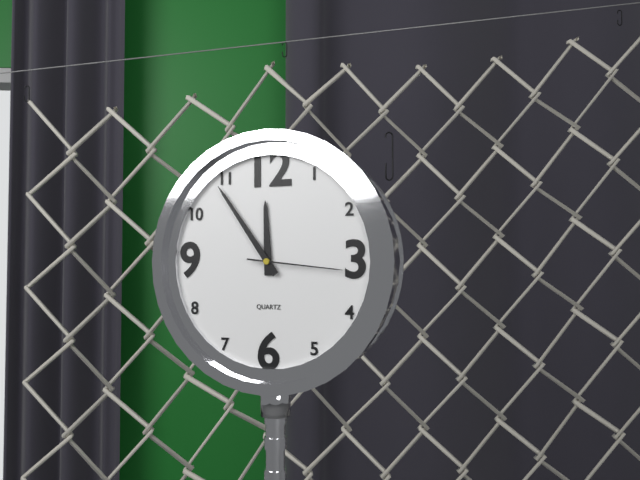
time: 11:54:16
